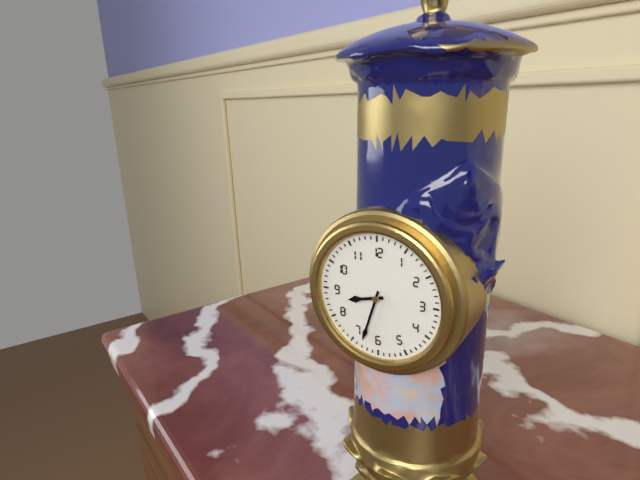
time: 8:33
